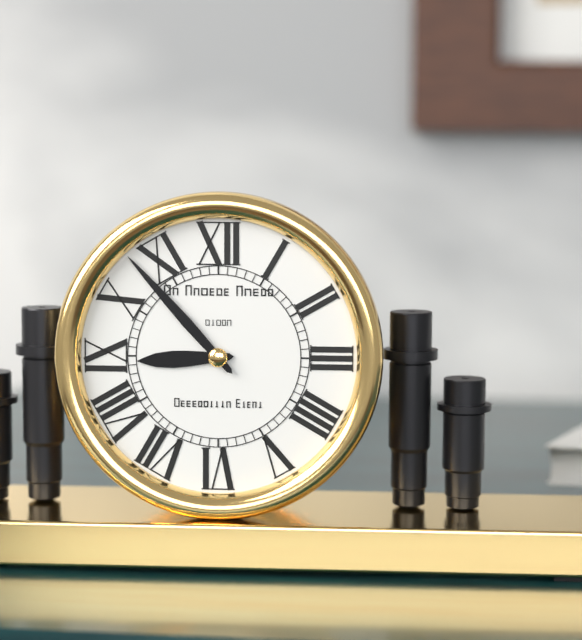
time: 8:53
